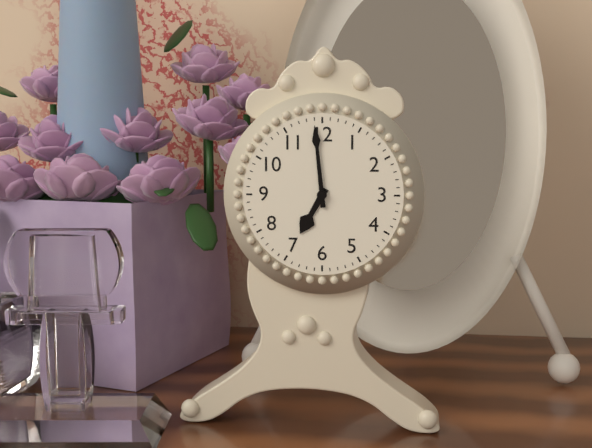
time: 6:59
